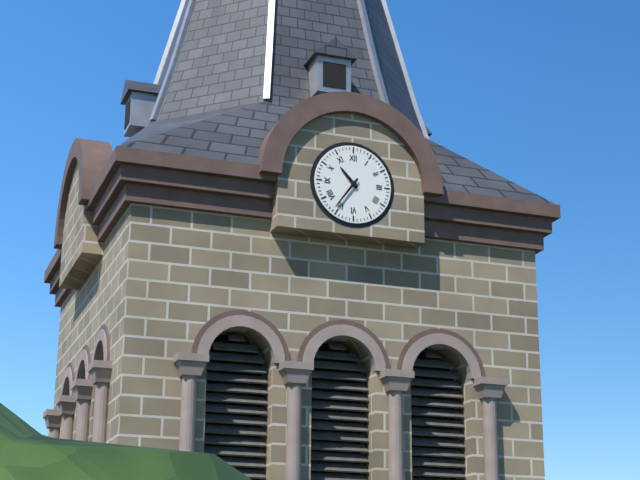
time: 10:36
